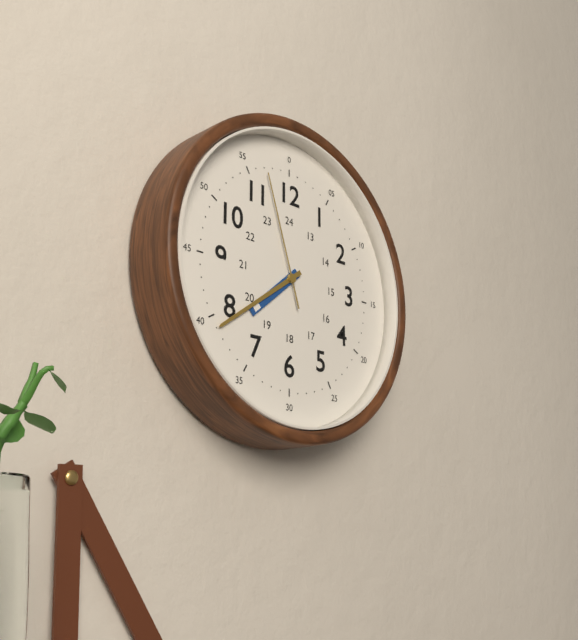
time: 7:39:57
